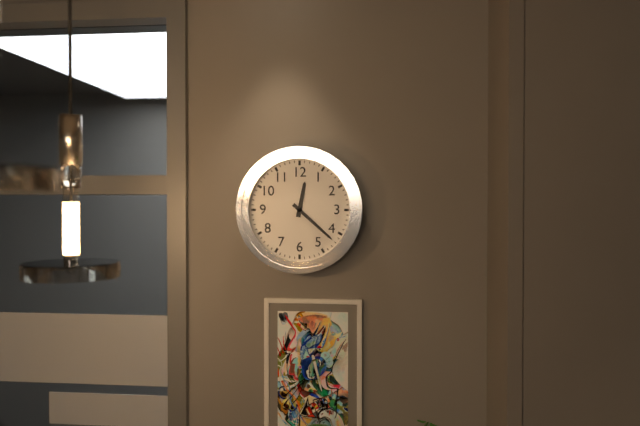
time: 12:22
